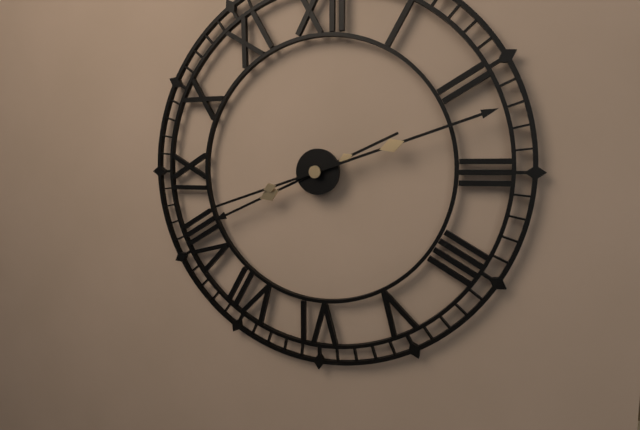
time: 8:12
